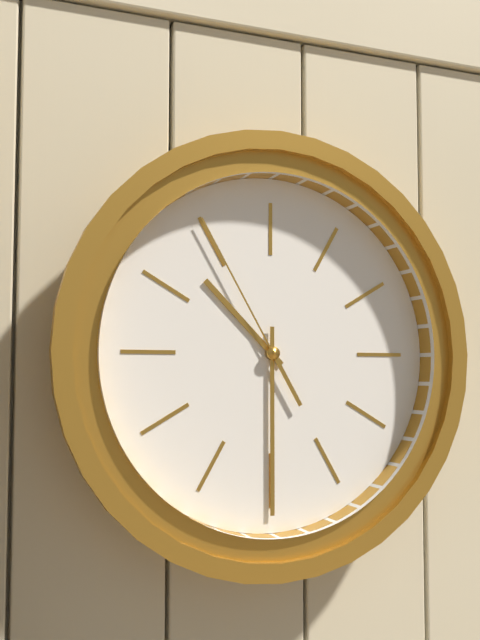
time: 10:30:55
